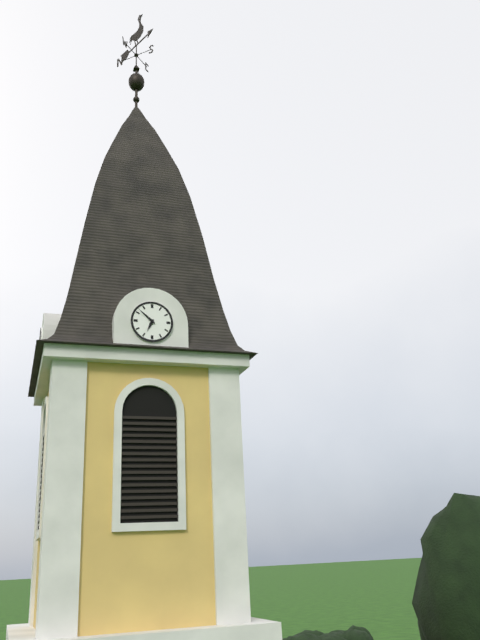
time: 6:52
